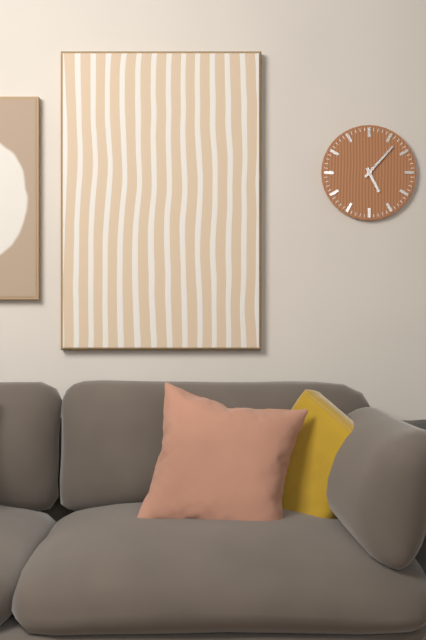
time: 5:07
